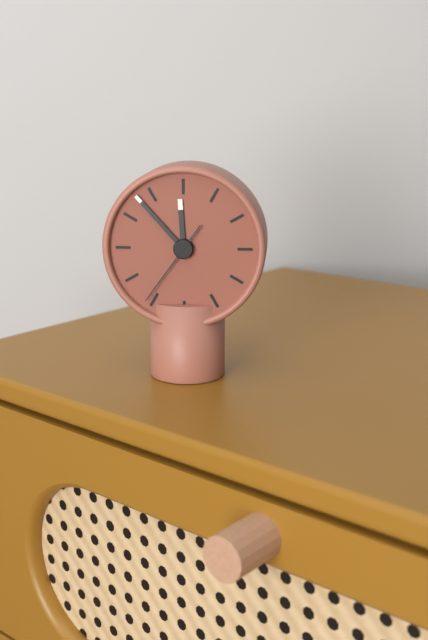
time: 11:53:36
